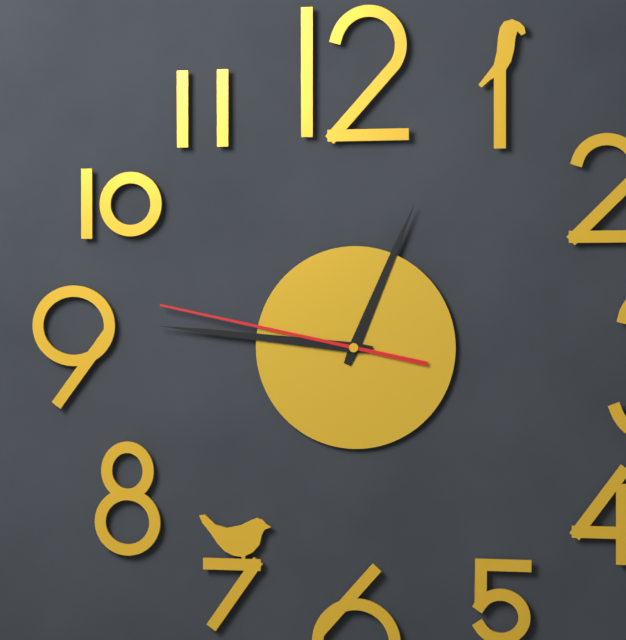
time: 12:46:47
